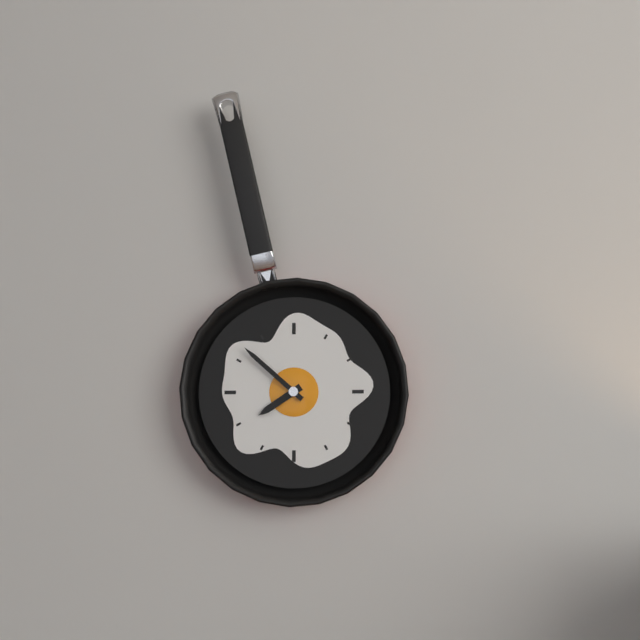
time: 7:52
